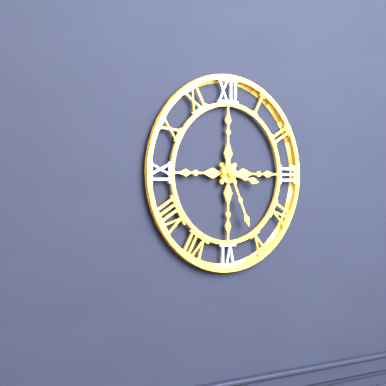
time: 3:26
